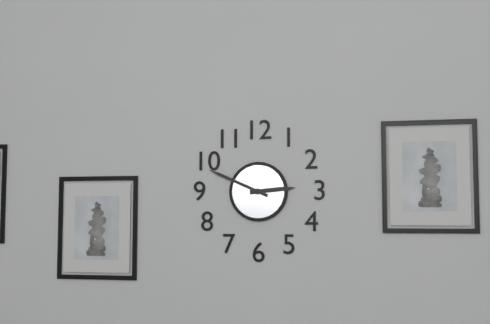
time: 2:49
